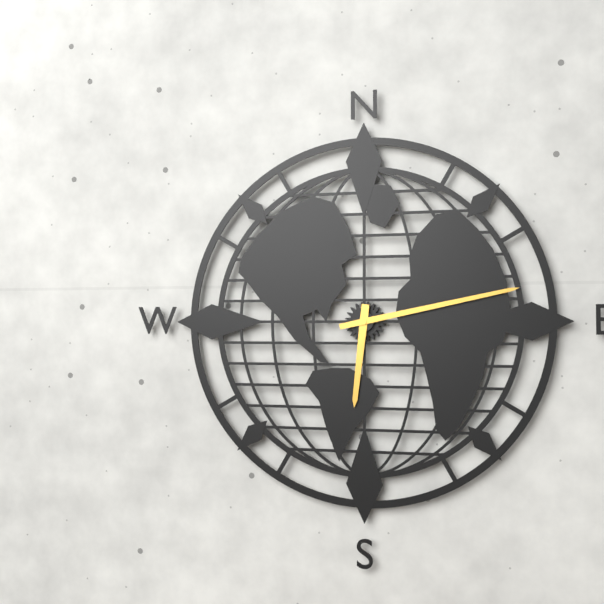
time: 6:13
